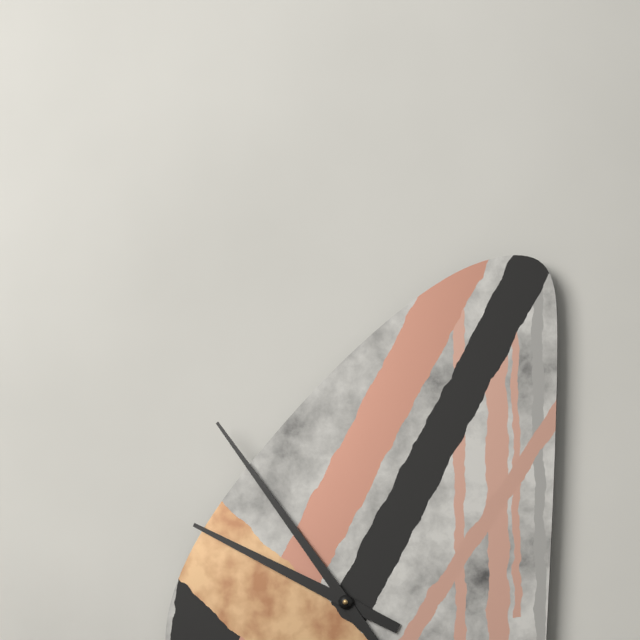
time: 9:54
